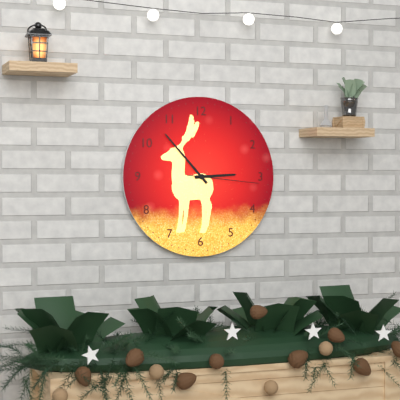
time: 2:53:16
